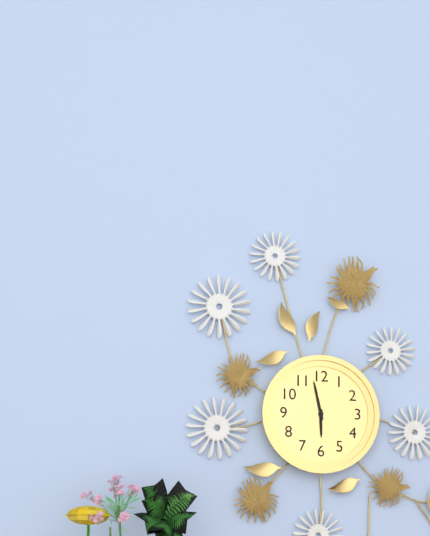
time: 5:58
